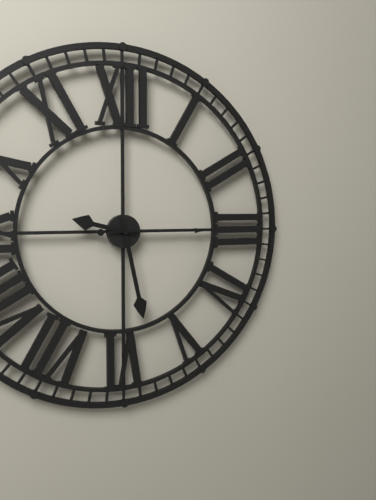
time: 9:28:15
